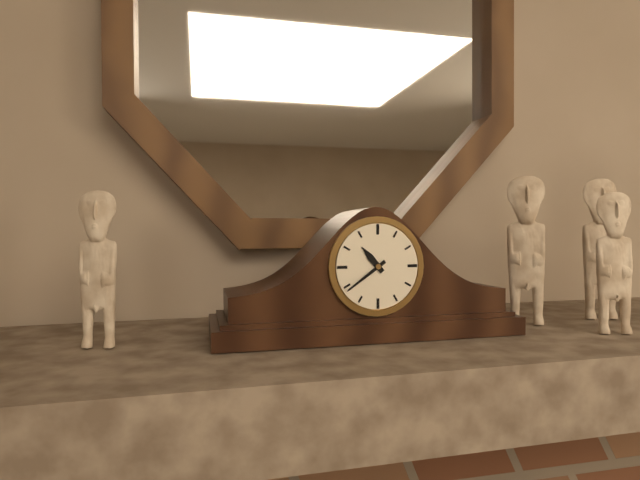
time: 10:39
